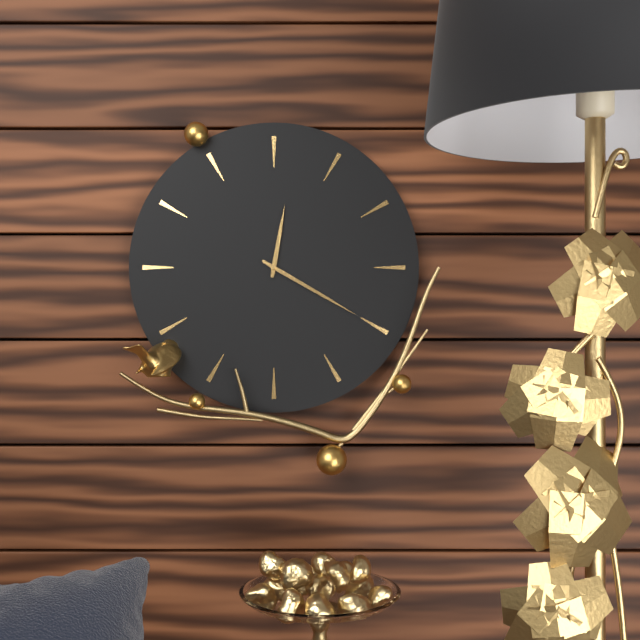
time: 12:20
